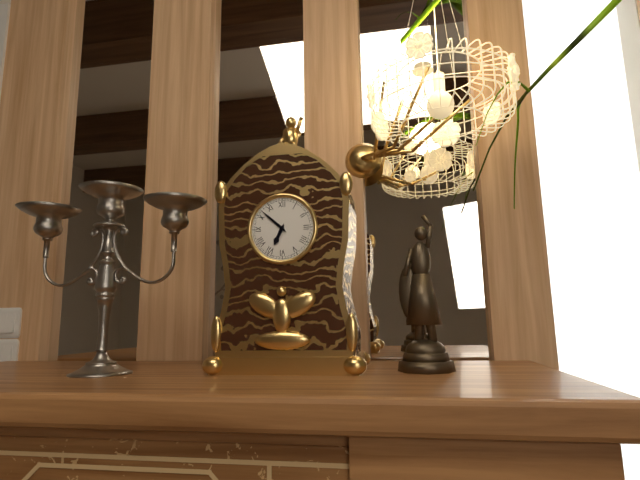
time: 6:52
